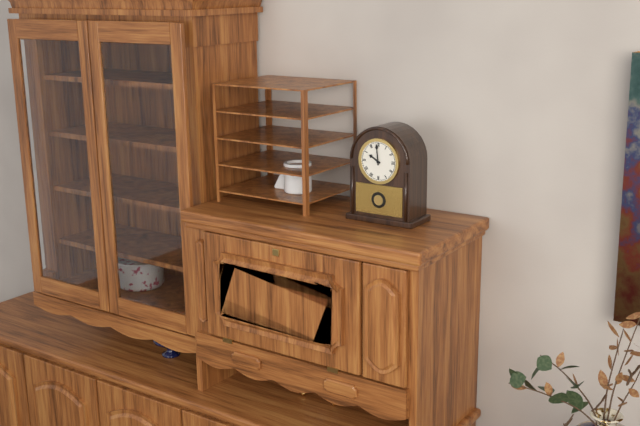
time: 9:59
